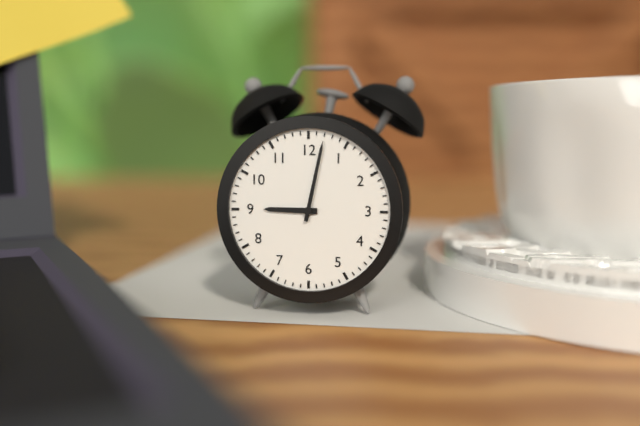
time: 9:02
